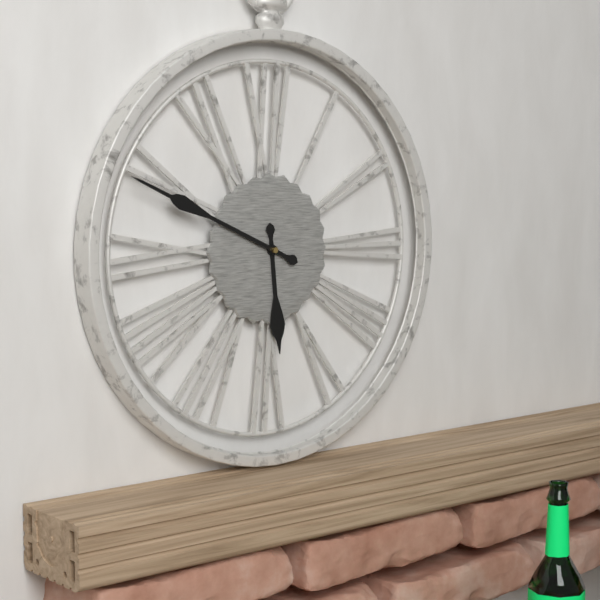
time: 5:49
